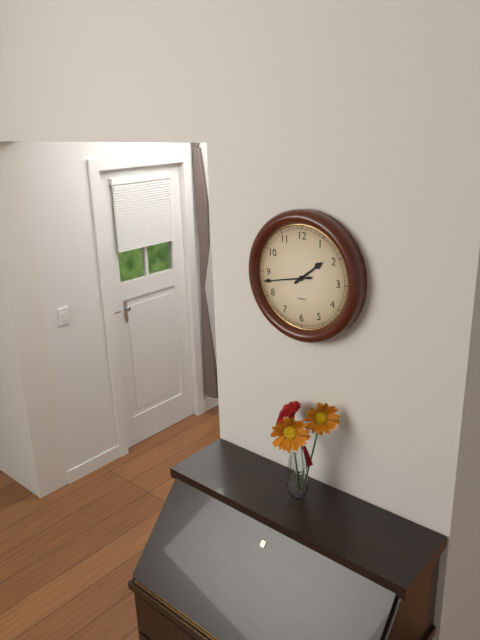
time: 1:43
